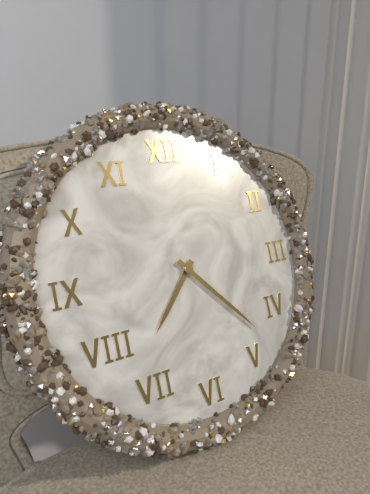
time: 7:23
